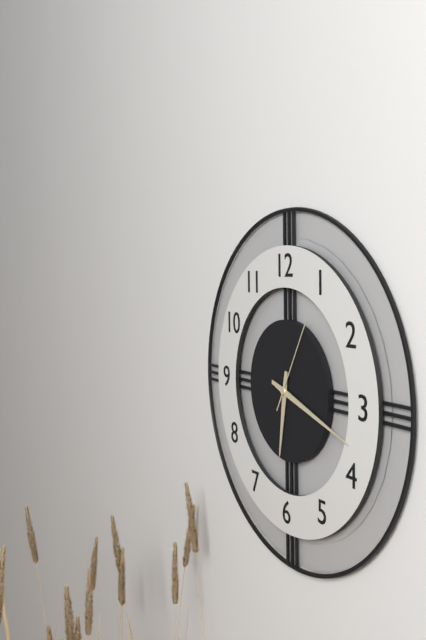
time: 6:18:05
